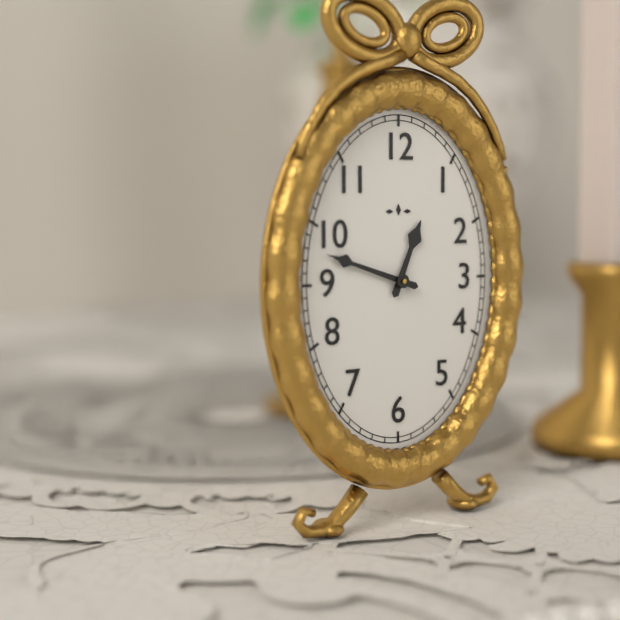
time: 12:48
